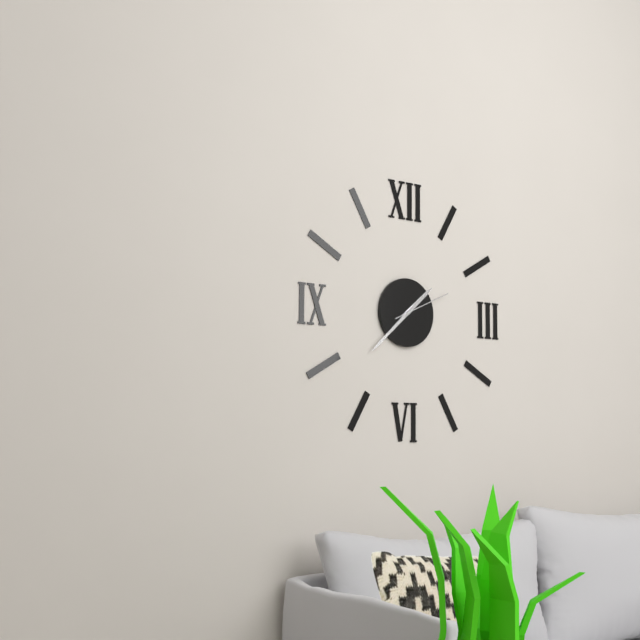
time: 1:38:11
